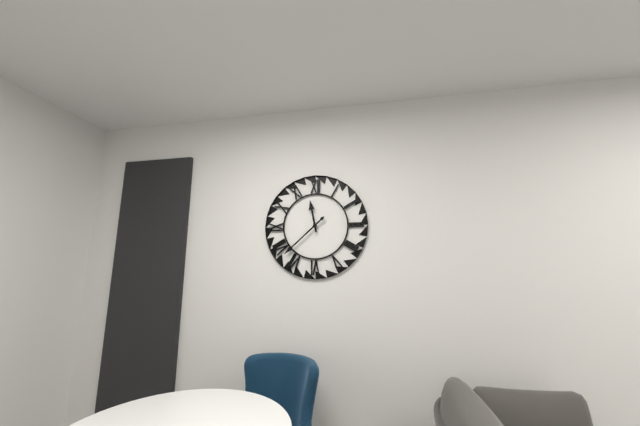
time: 11:38
